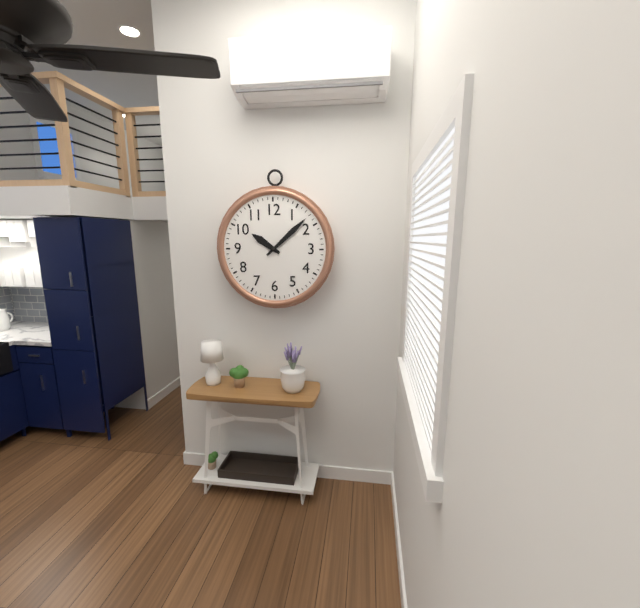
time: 10:08
